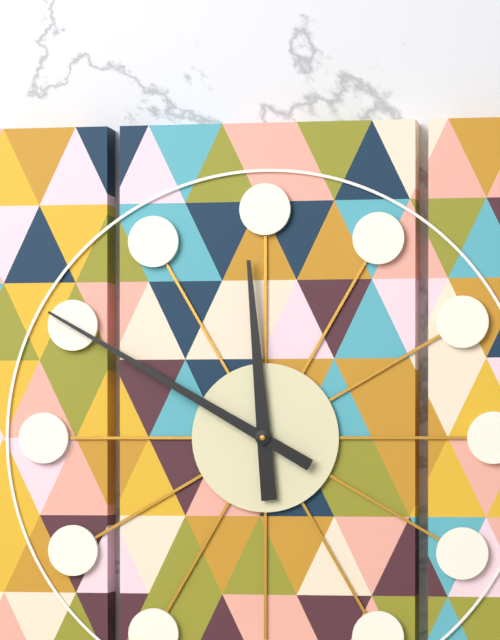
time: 11:50
